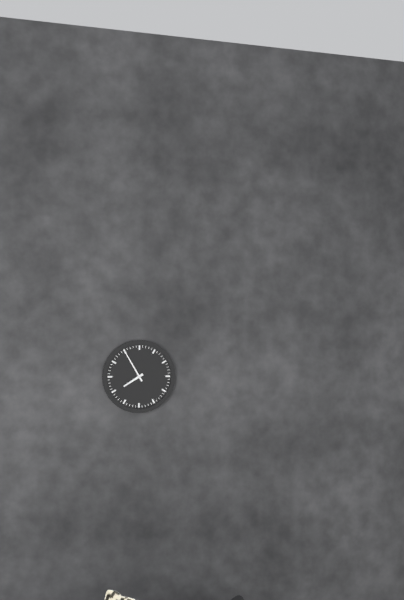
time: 7:55
